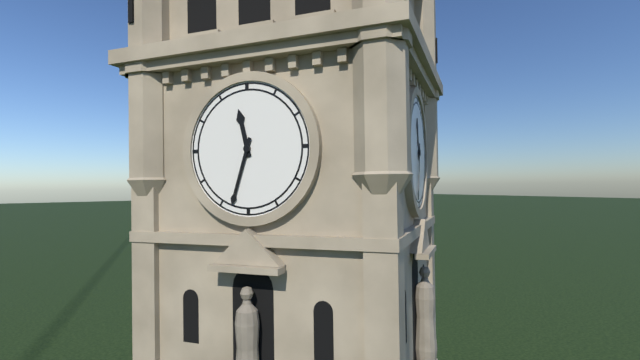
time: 11:33
